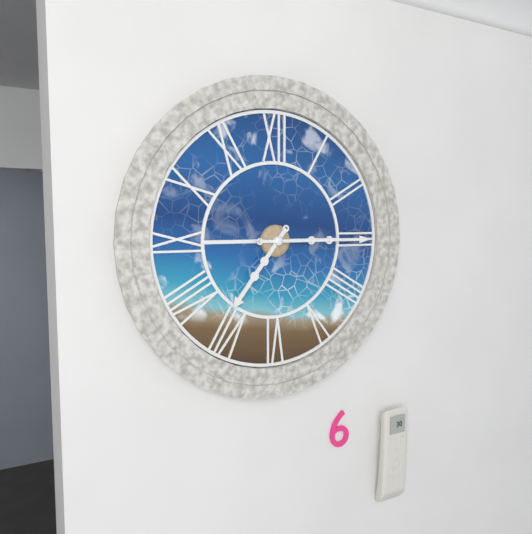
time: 7:15
